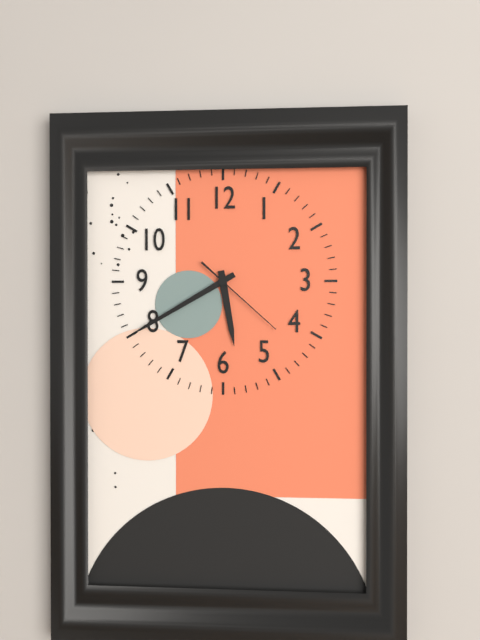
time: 5:40:22
